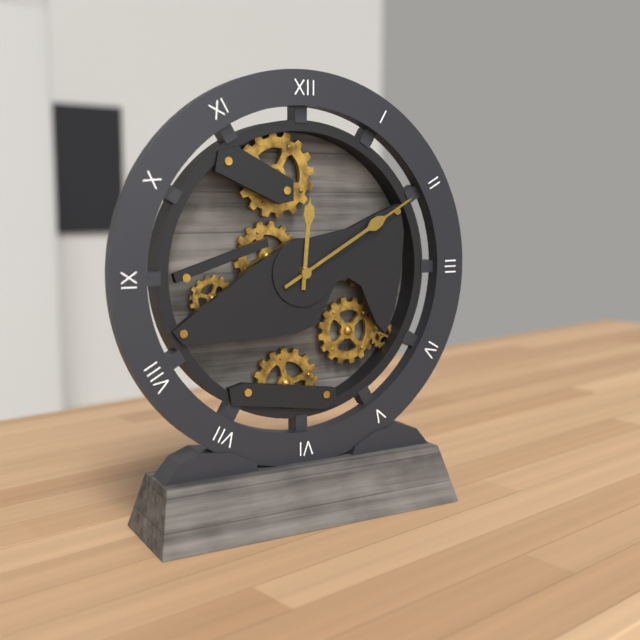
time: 12:10
